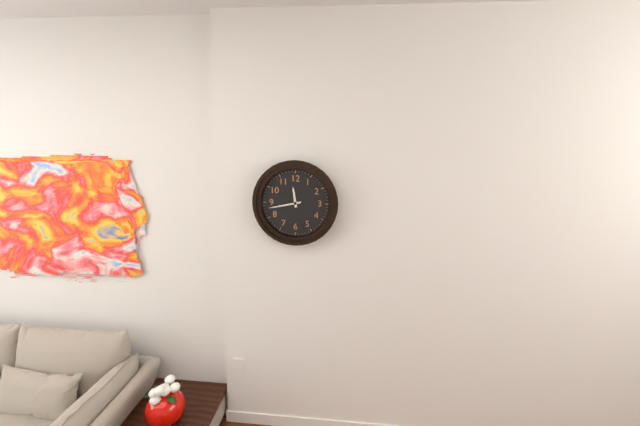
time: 11:43
